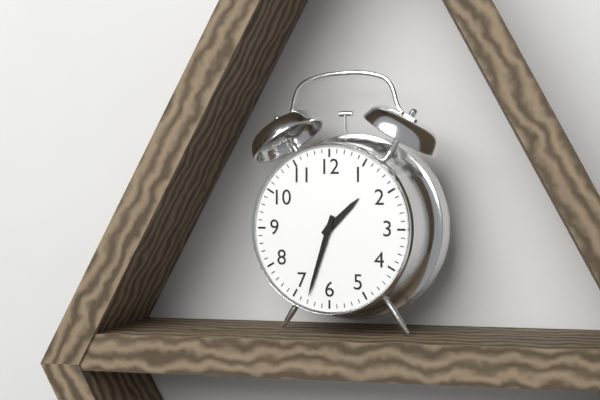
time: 1:33
